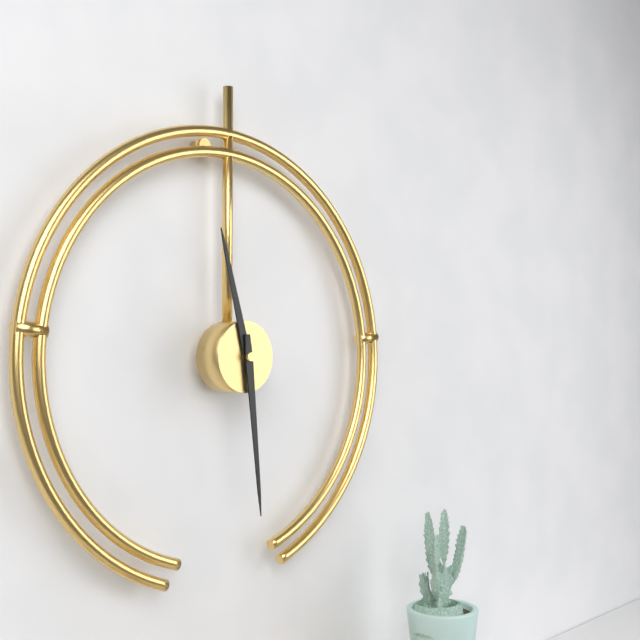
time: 11:29
